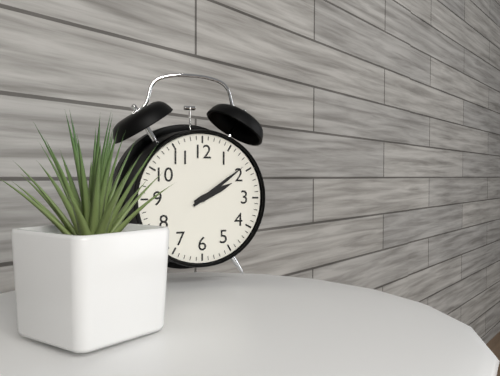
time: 2:09
